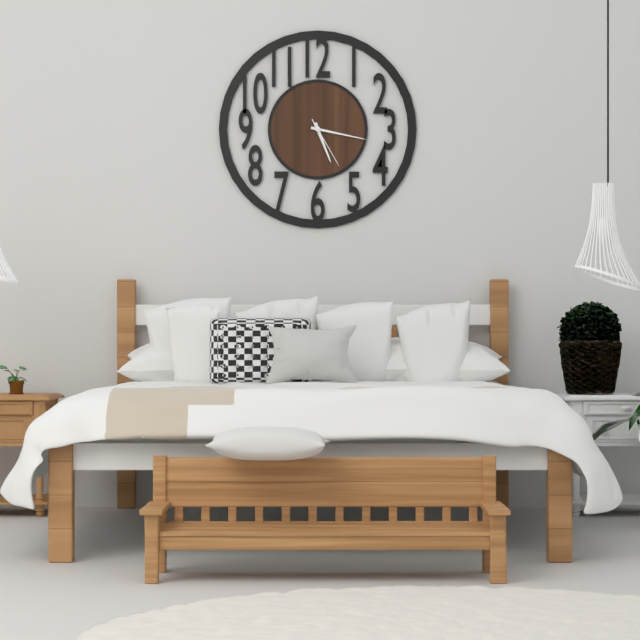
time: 5:17:25
